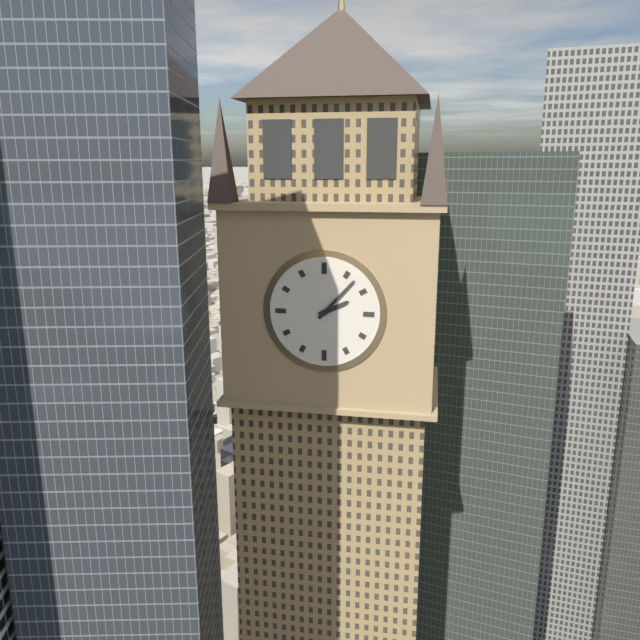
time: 2:07
